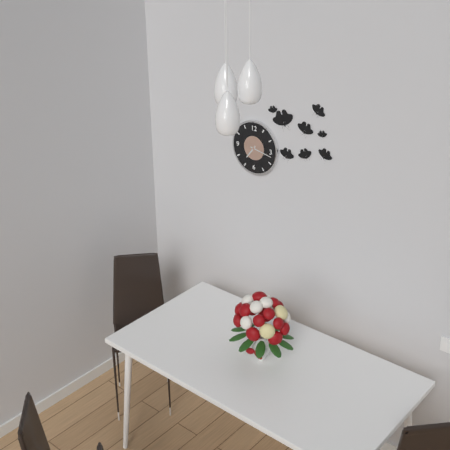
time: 7:17
